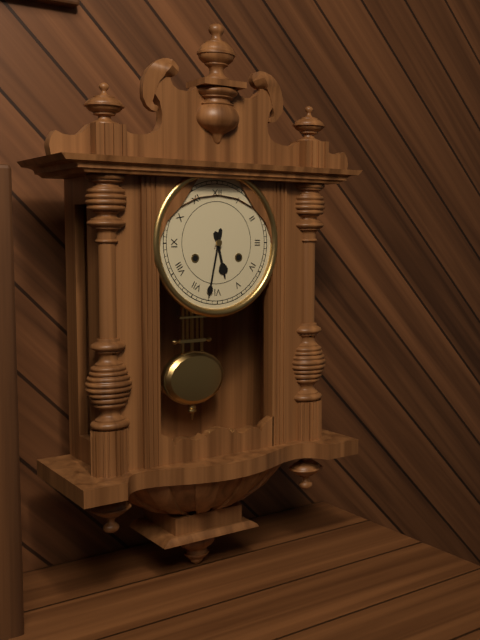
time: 5:32
